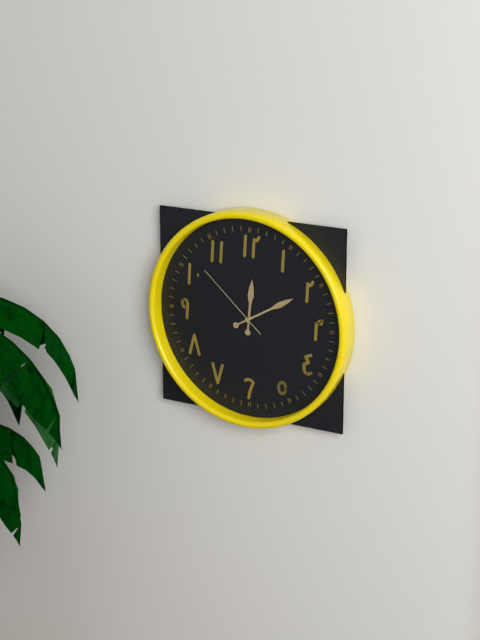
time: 12:10:52
